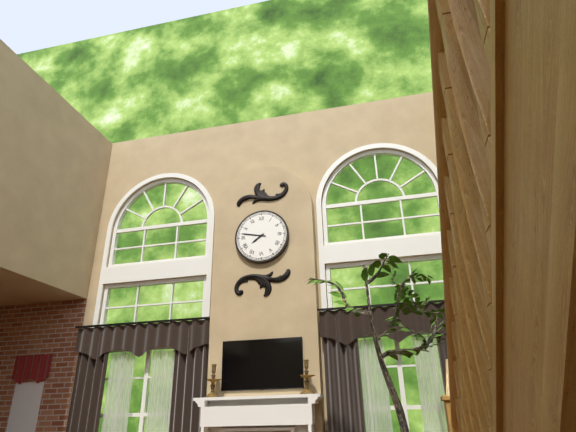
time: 7:47
